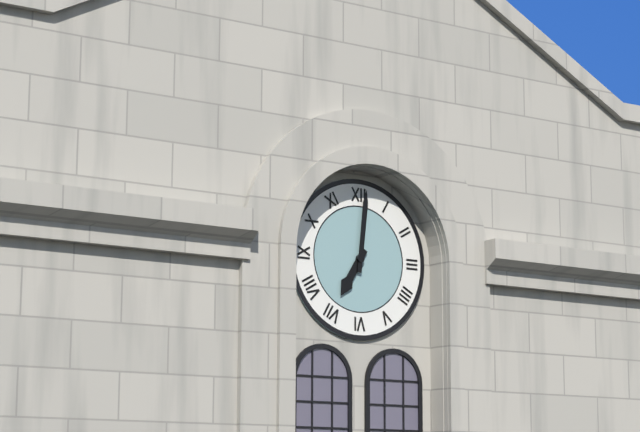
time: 7:01
